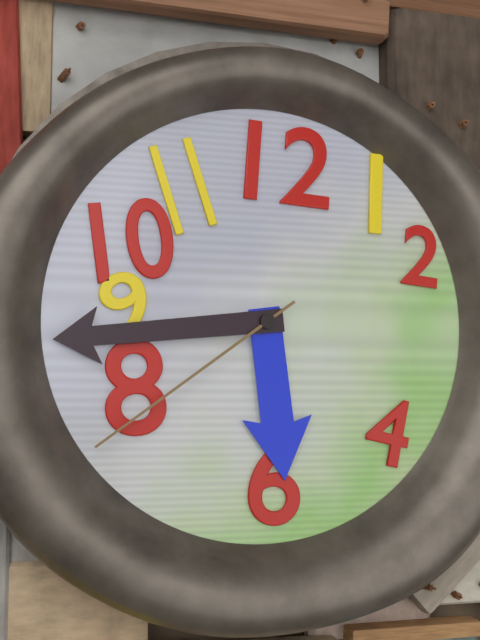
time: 5:44:39
